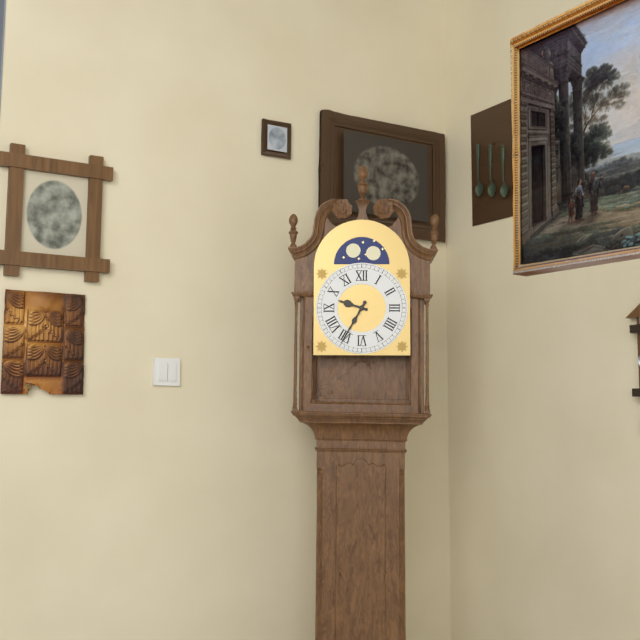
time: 9:35
